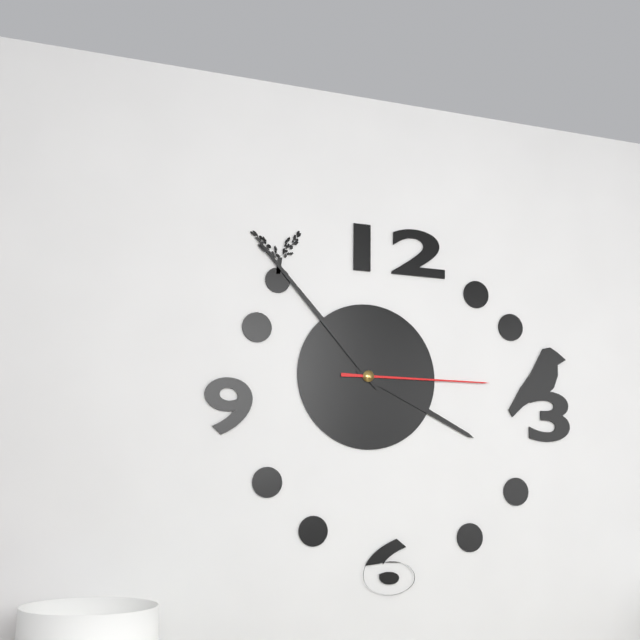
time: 3:53:15
